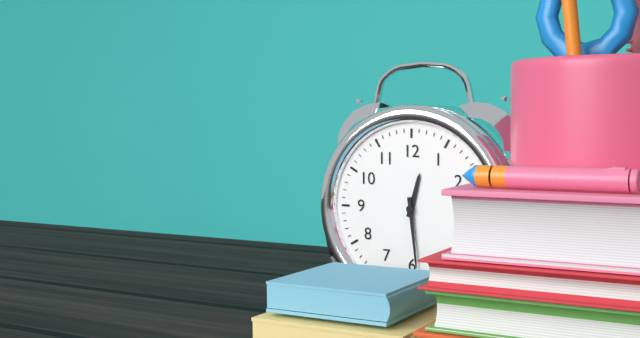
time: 12:29
